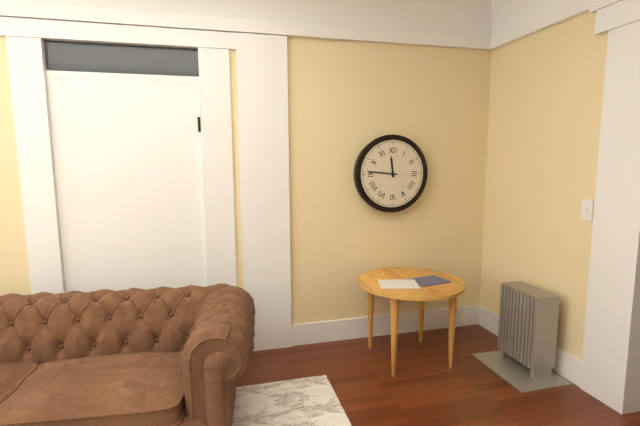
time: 11:46
